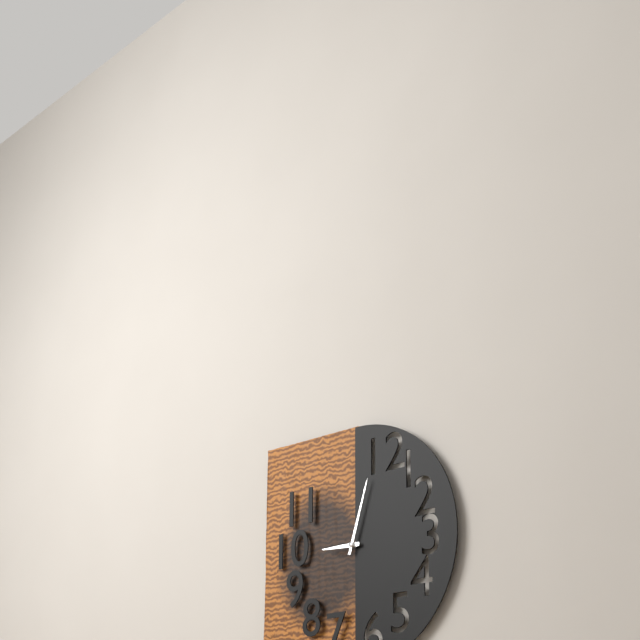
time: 9:03
